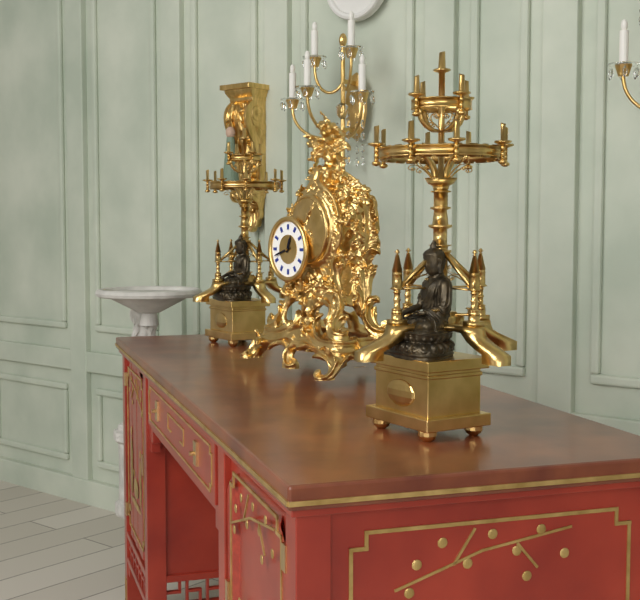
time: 12:42
